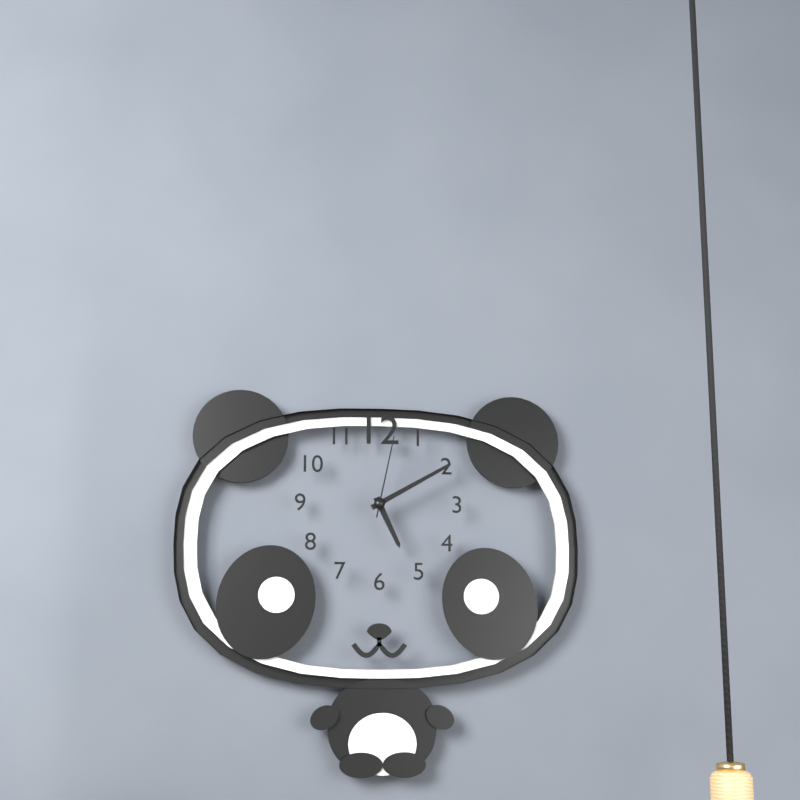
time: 5:10:02
